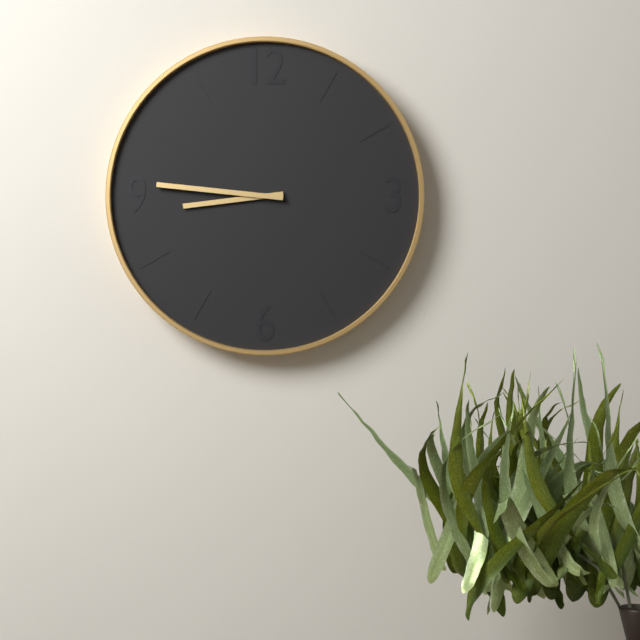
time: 8:46
